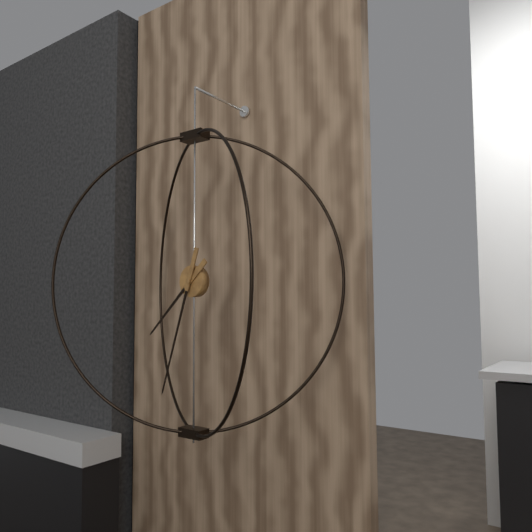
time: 7:33
